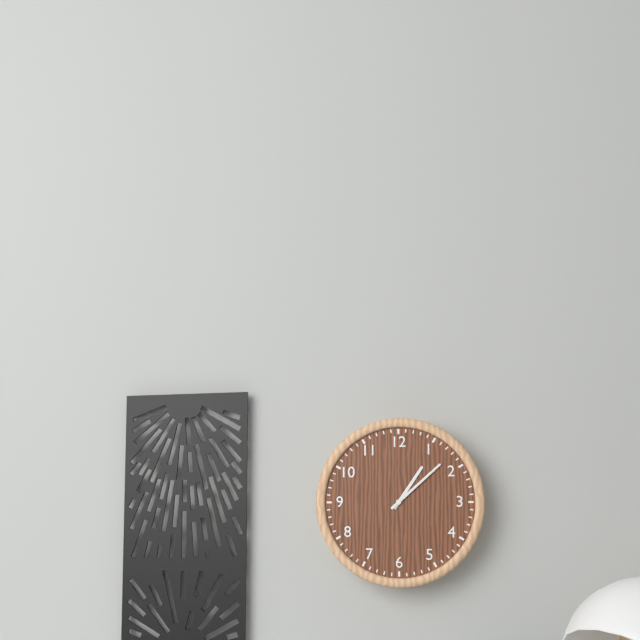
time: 1:08
